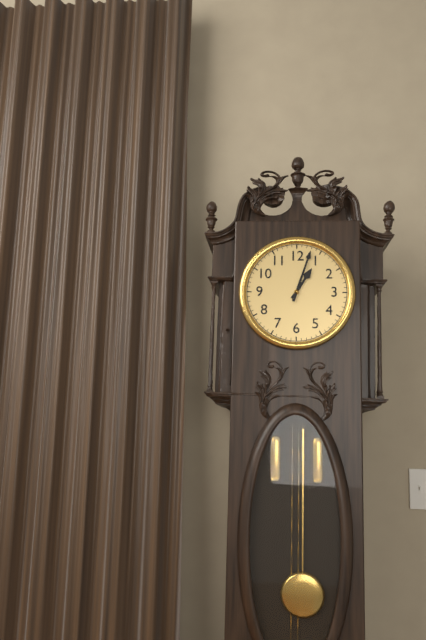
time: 1:03
